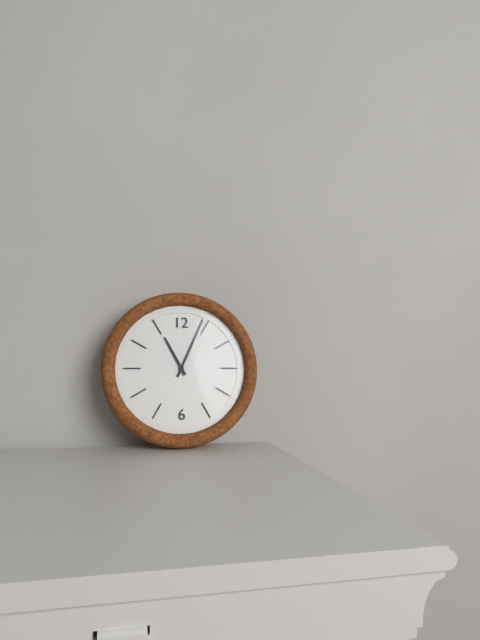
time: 11:04
